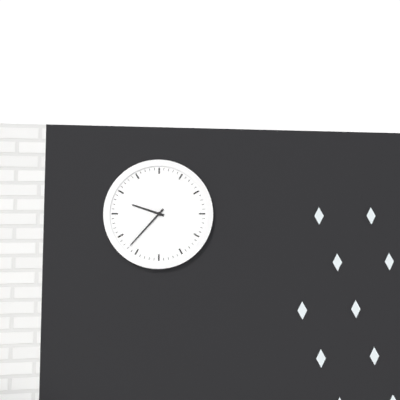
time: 9:37
